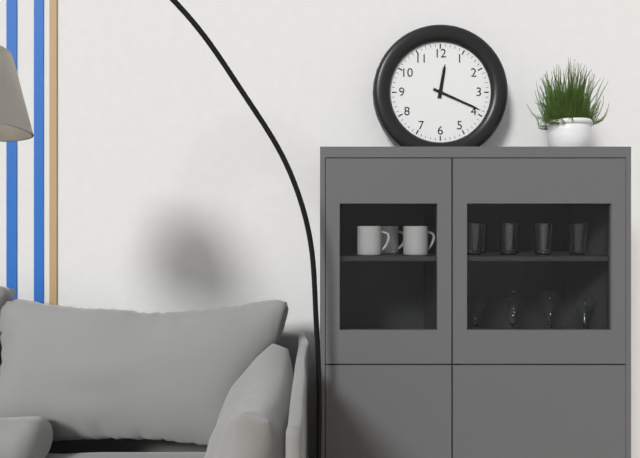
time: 12:19
